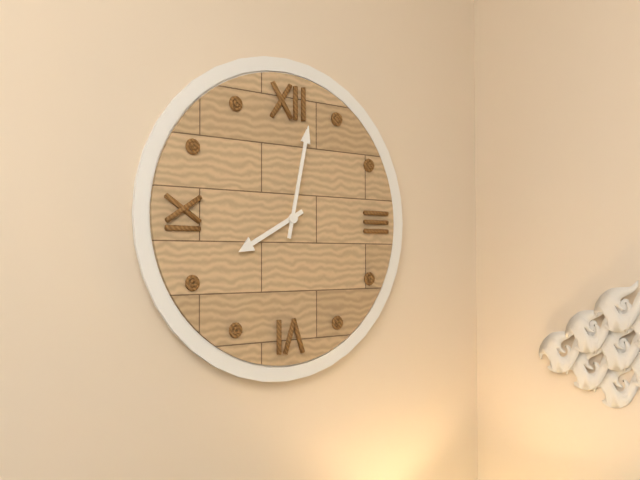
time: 8:02
